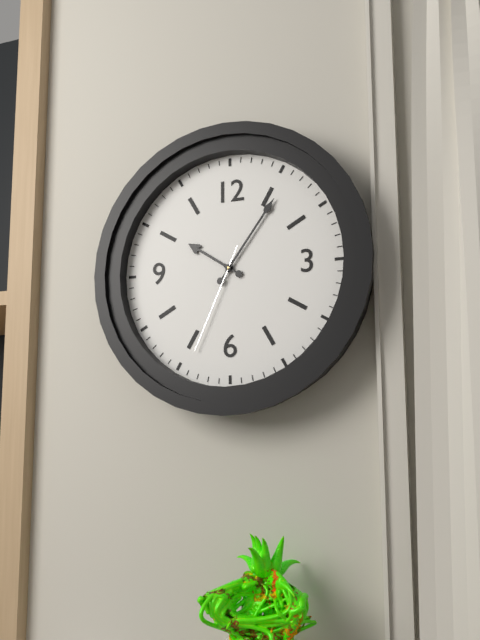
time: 10:06:34
